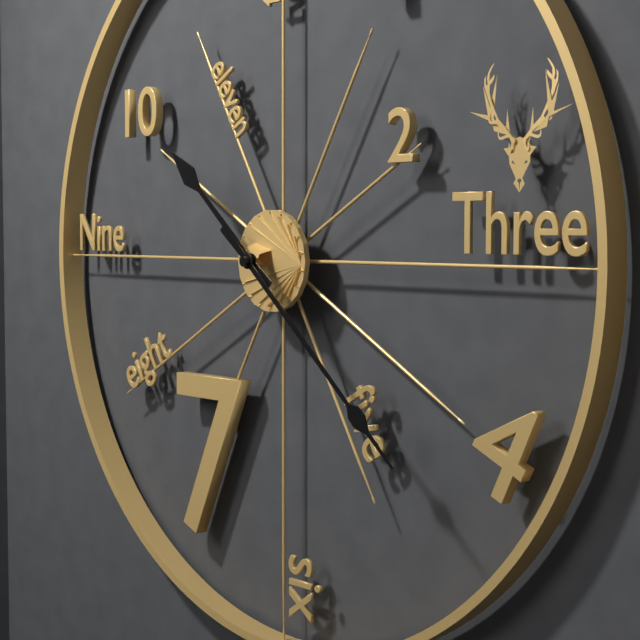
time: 10:22
